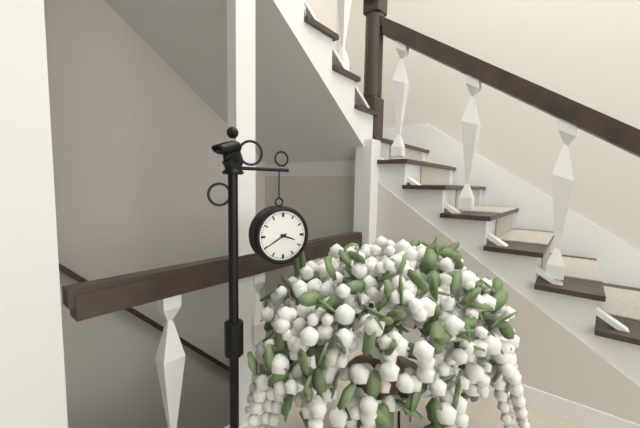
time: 3:40
